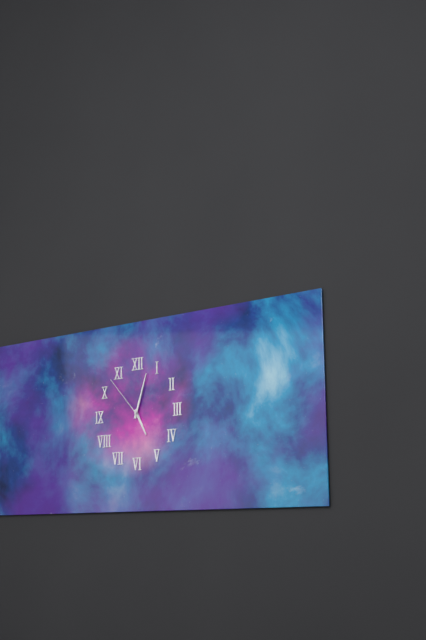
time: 5:03:53
